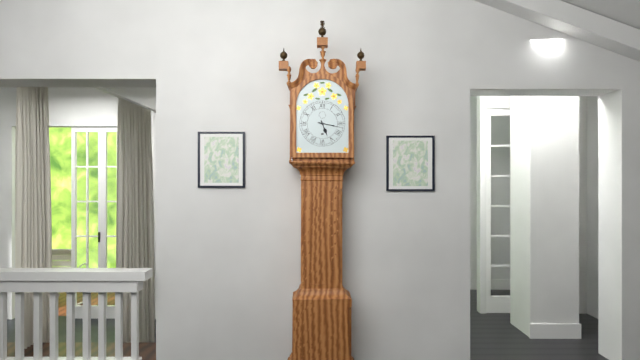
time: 5:17
